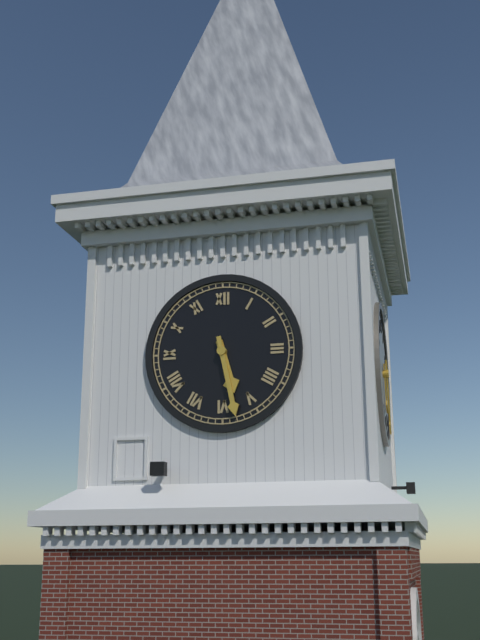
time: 5:28
